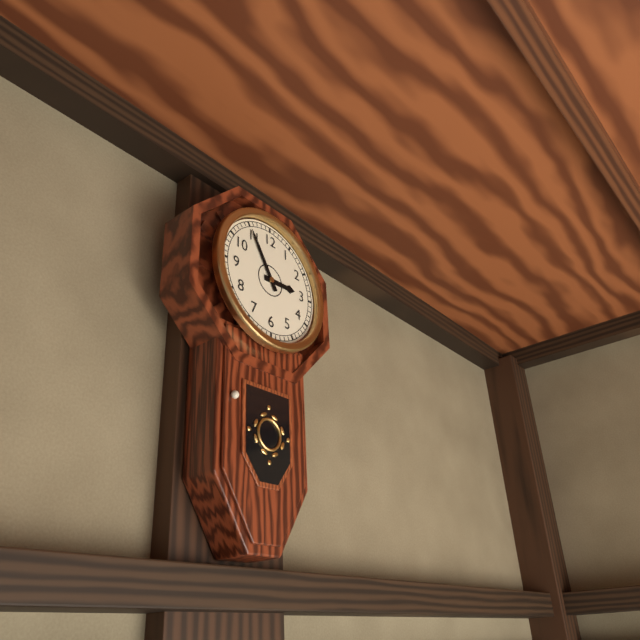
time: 2:55
